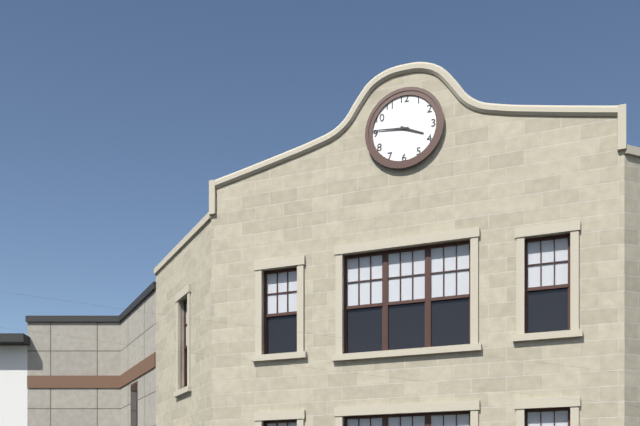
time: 3:46
